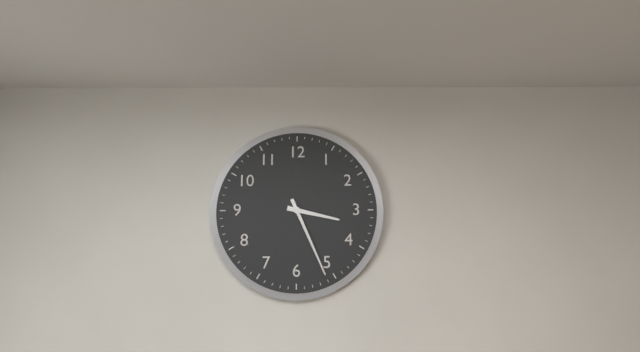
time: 3:26
